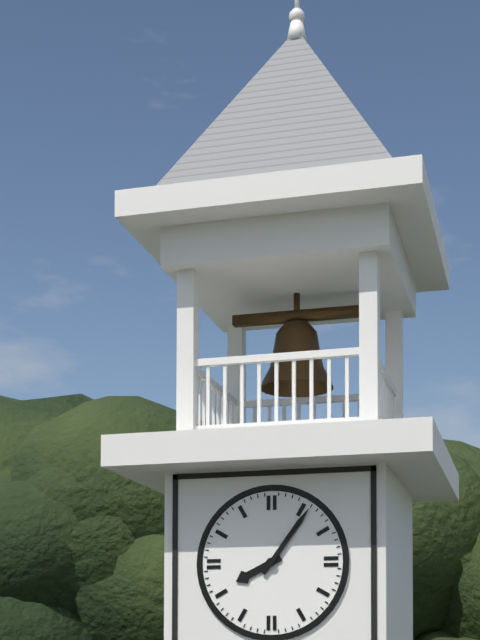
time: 8:06
